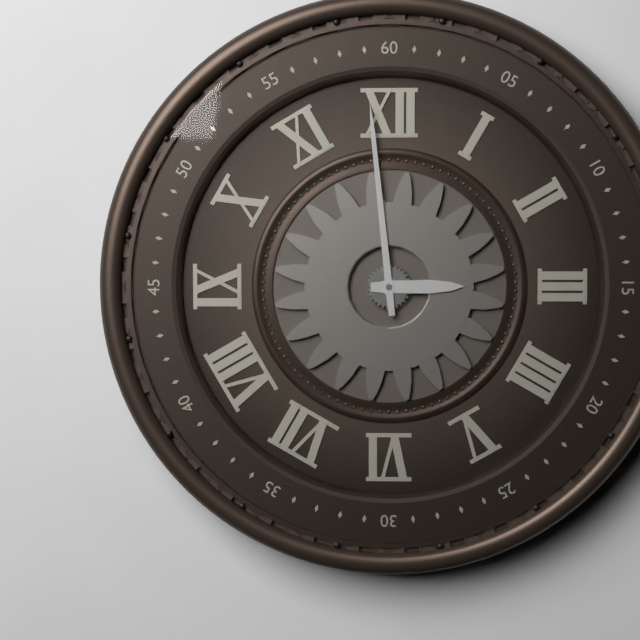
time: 2:59
